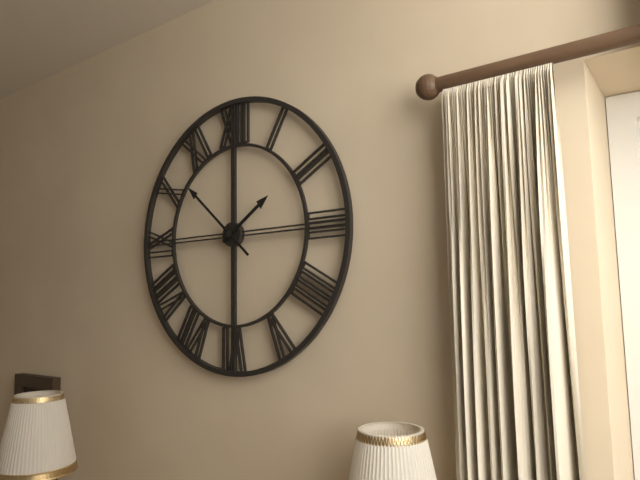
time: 1:52
